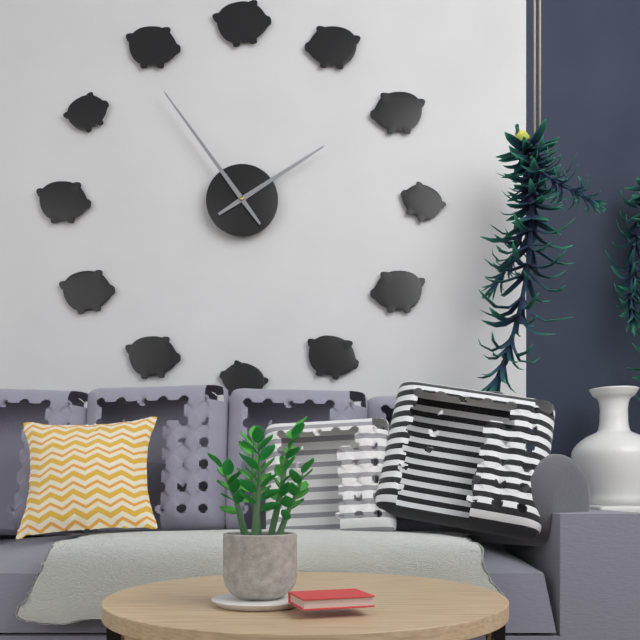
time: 1:54
